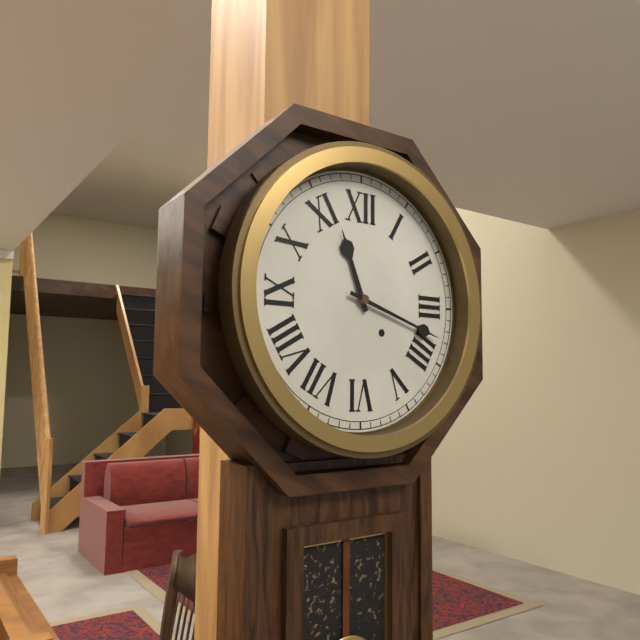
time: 11:18
